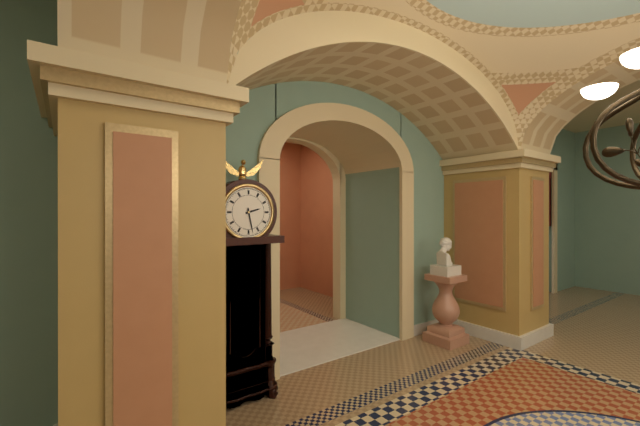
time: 2:28
